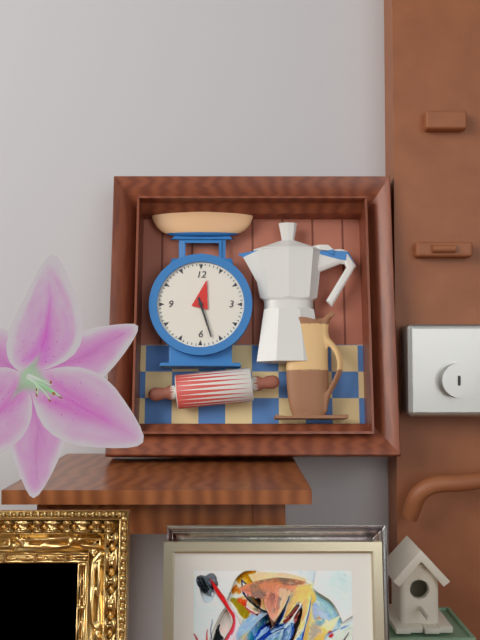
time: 12:27
